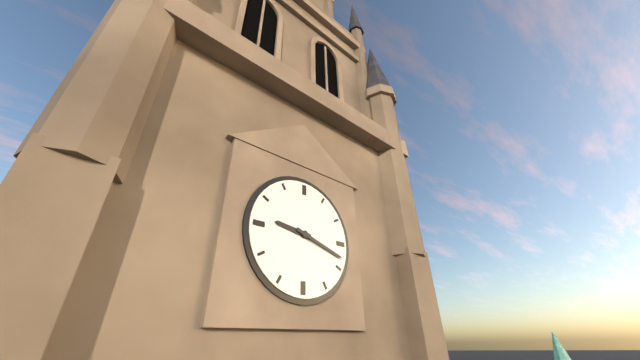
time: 9:18
